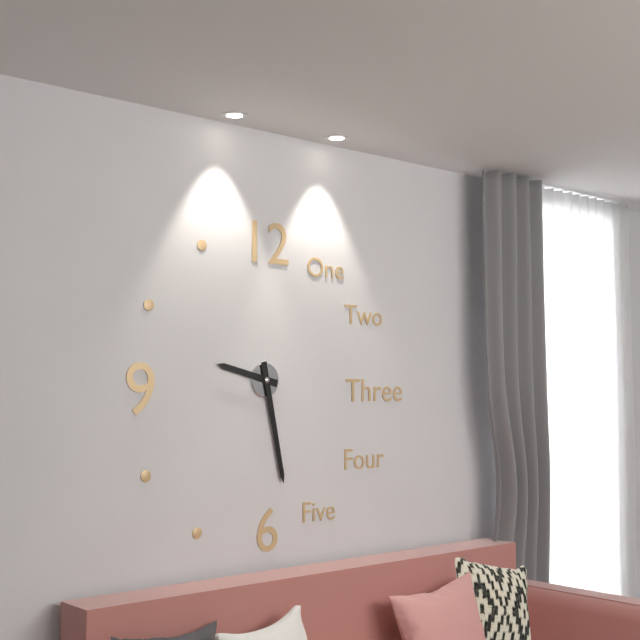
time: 9:28
